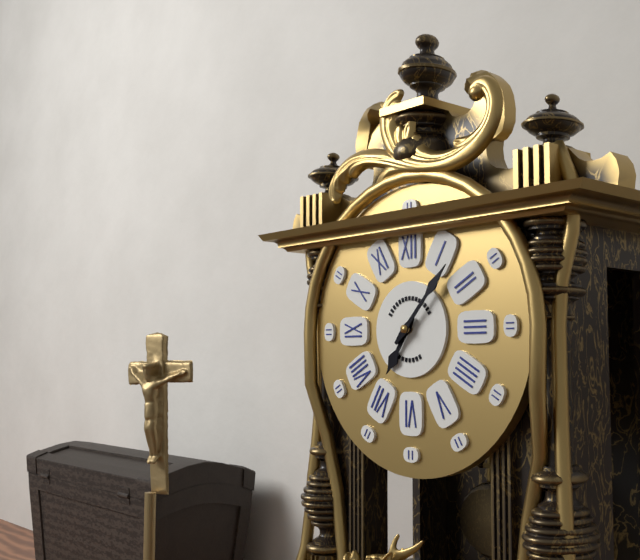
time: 7:07
